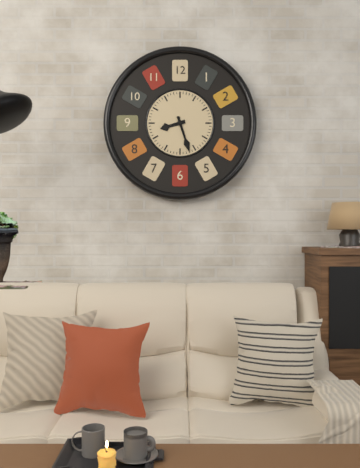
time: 8:27
